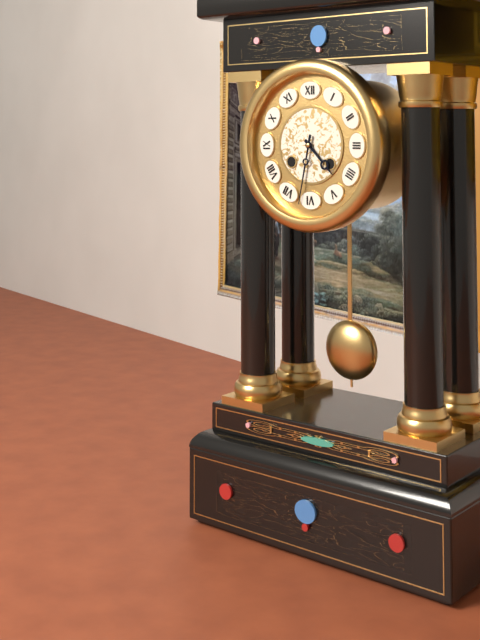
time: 4:32
